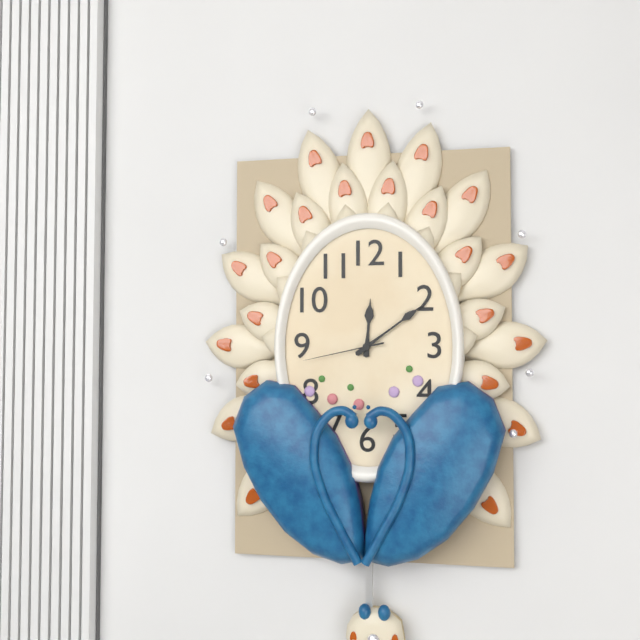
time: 12:09:43
